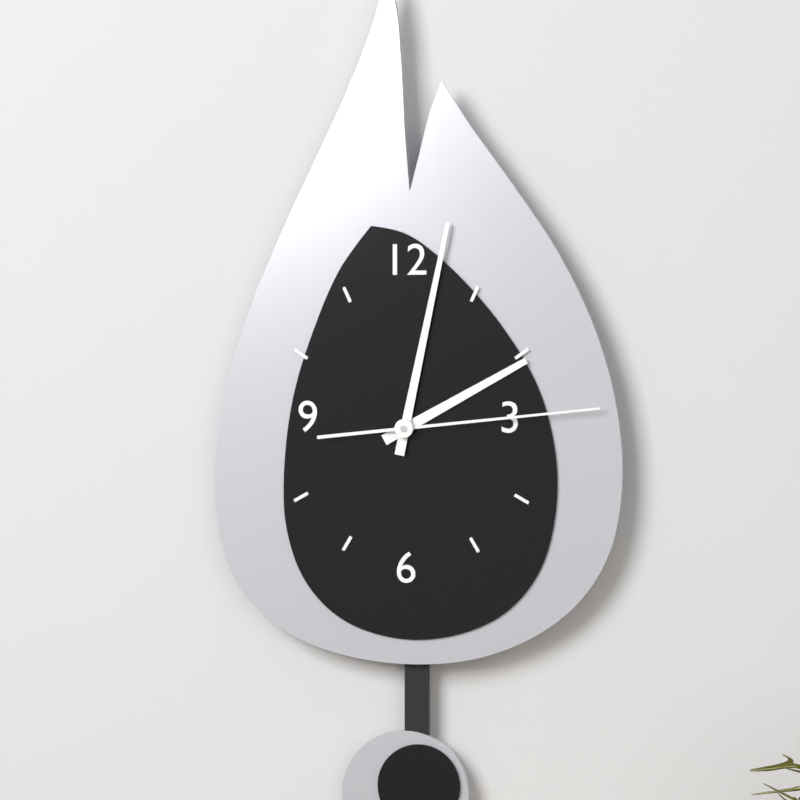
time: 2:02:14
